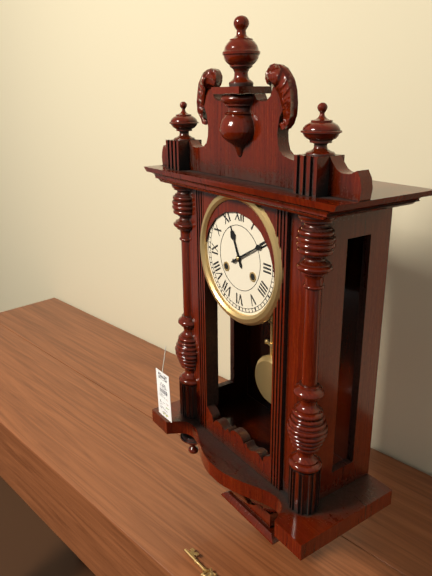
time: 11:10
